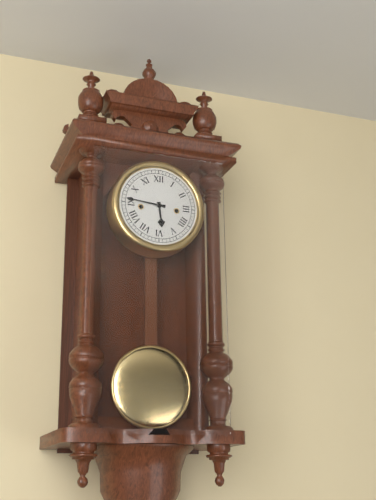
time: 5:46
